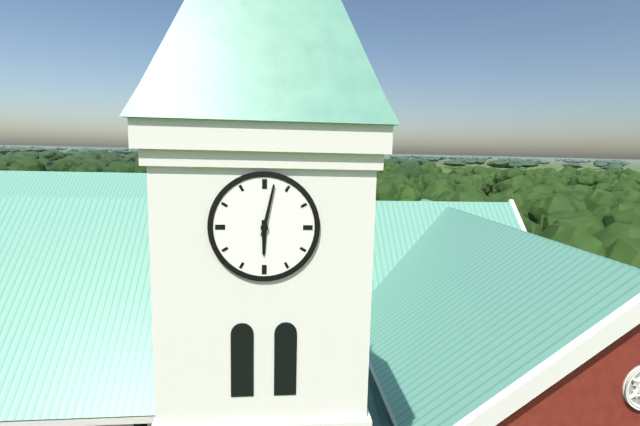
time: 6:02
